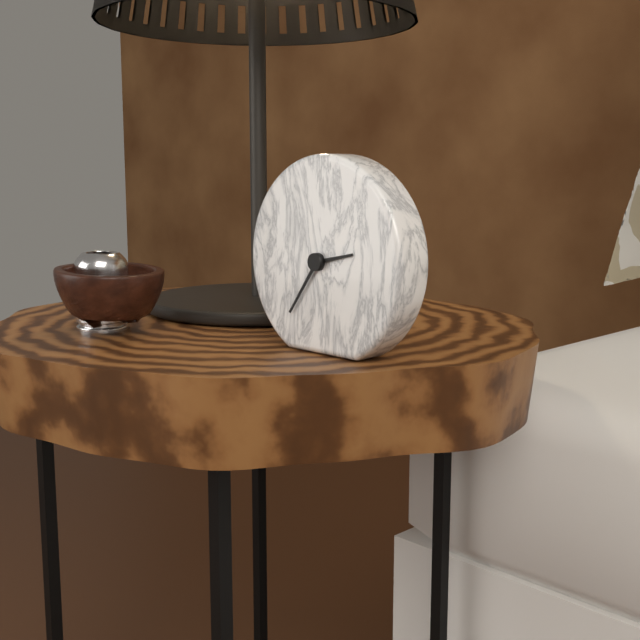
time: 2:36
